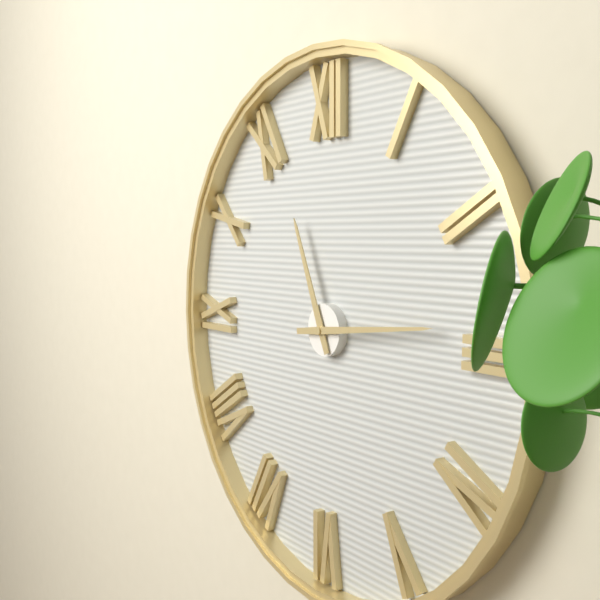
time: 11:14
